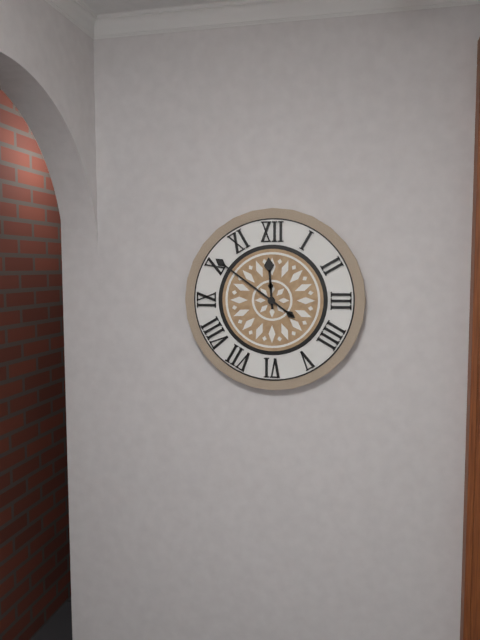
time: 11:51
